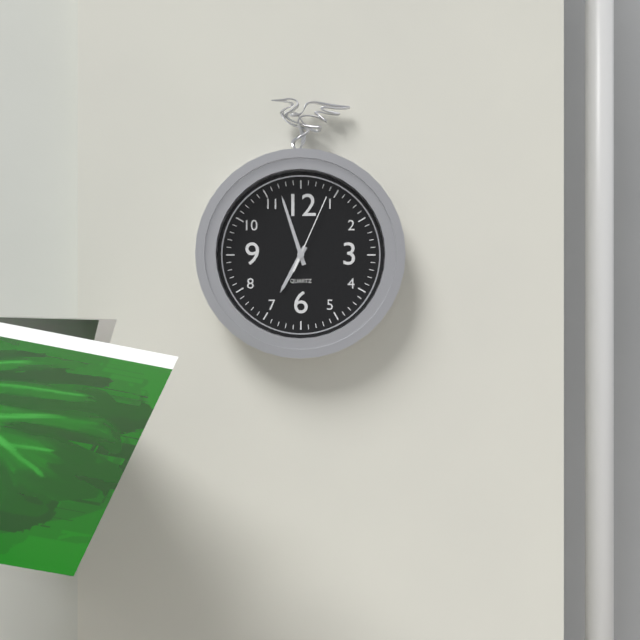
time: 6:57:04
